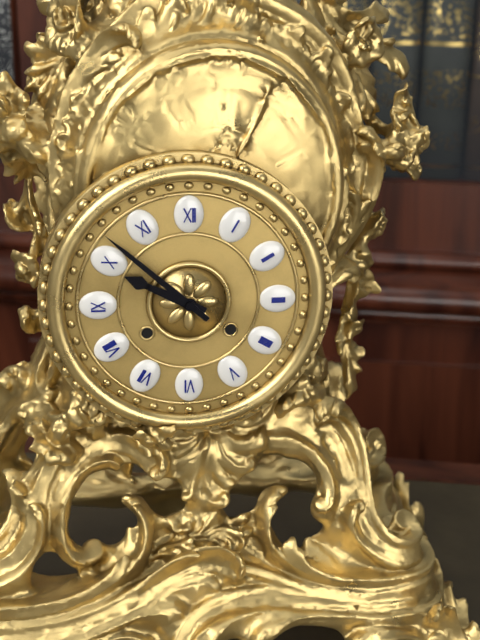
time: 9:52
